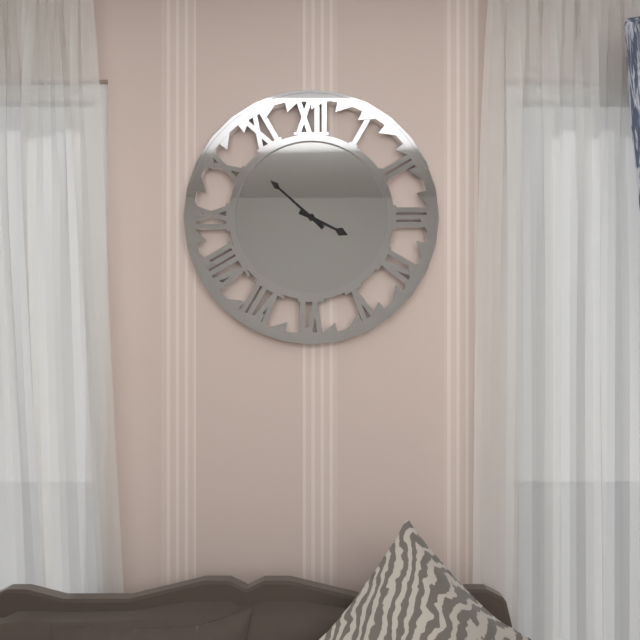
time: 3:52
